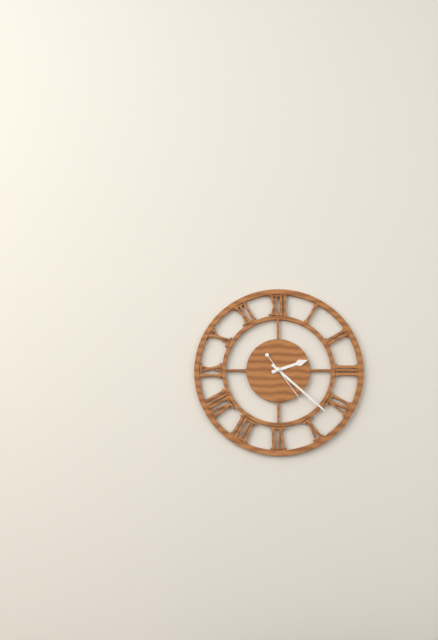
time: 2:22
